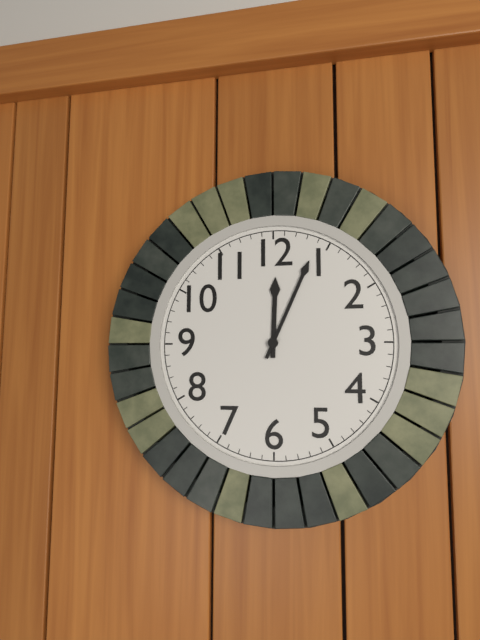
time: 12:04
